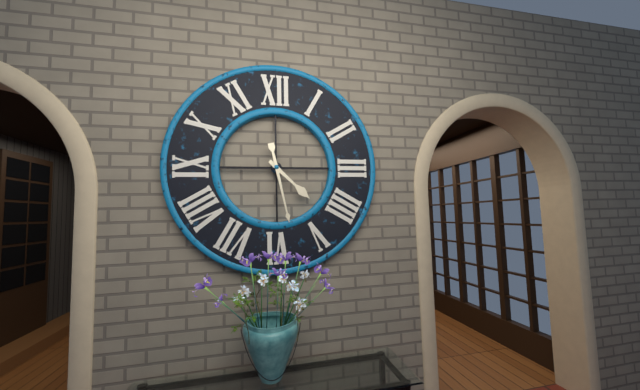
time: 4:28
